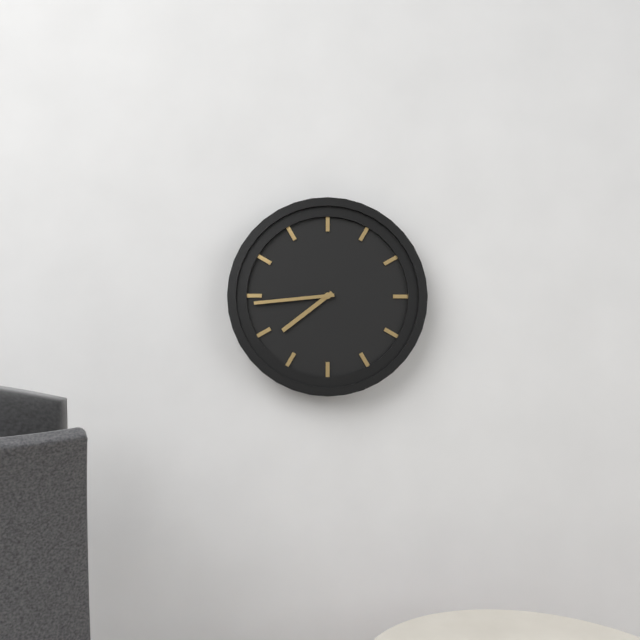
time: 7:44
